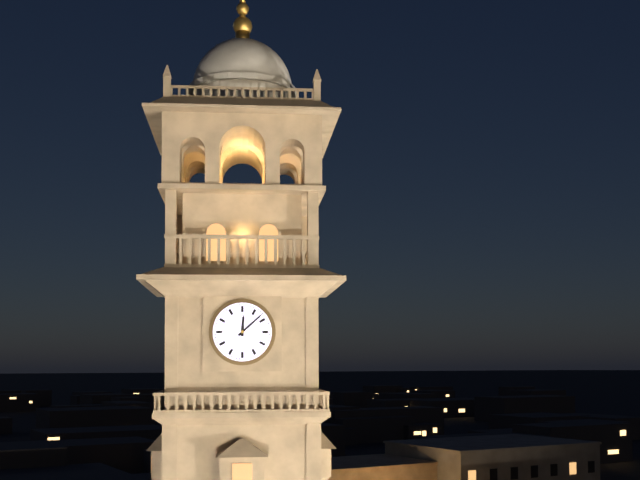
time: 12:08
